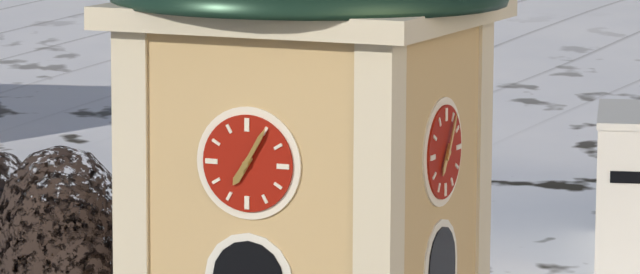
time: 7:05
